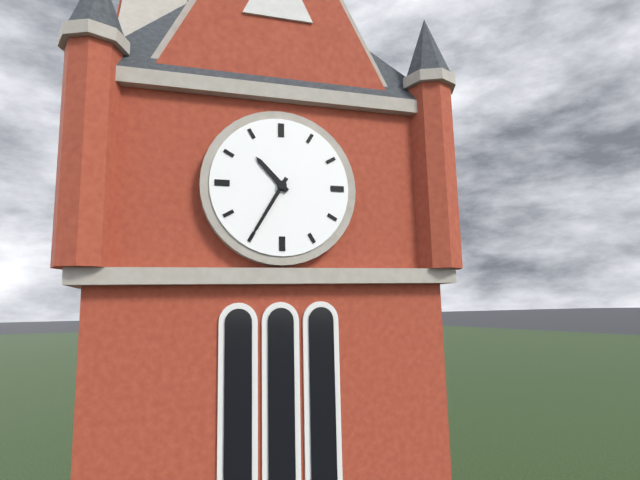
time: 10:35
